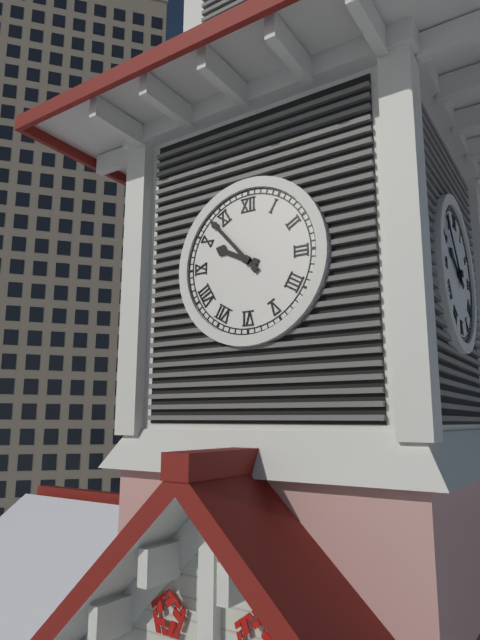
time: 9:53
